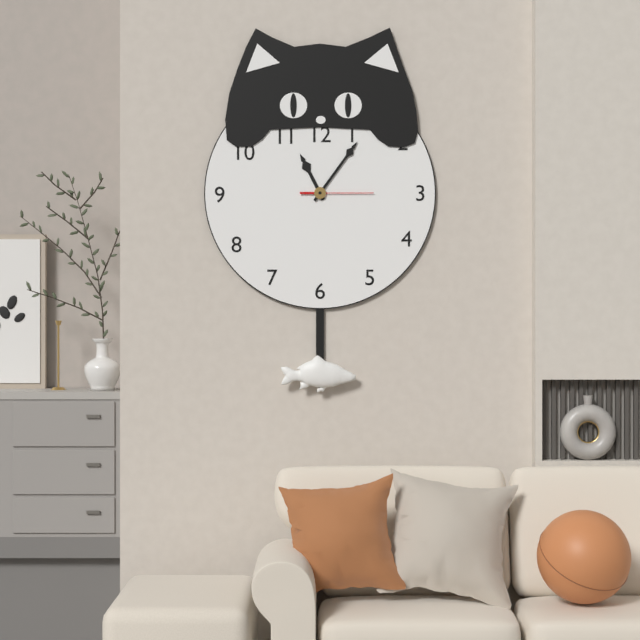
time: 11:06:15
